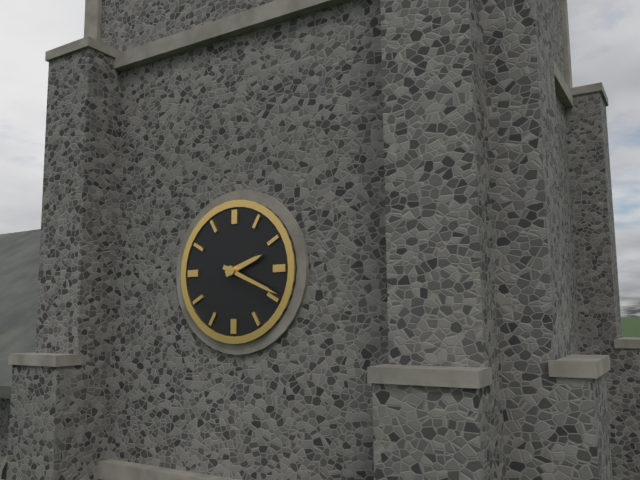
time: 2:19
